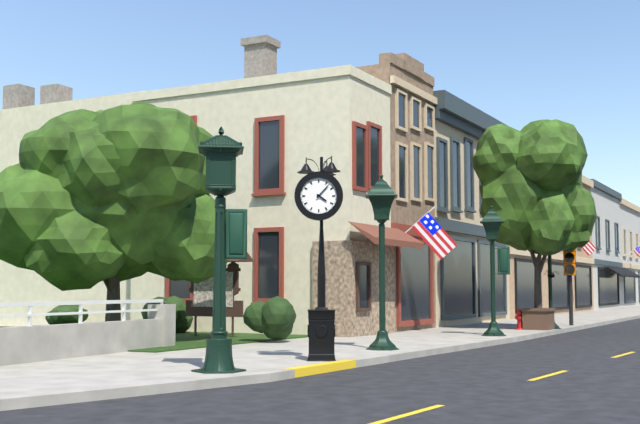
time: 4:07
